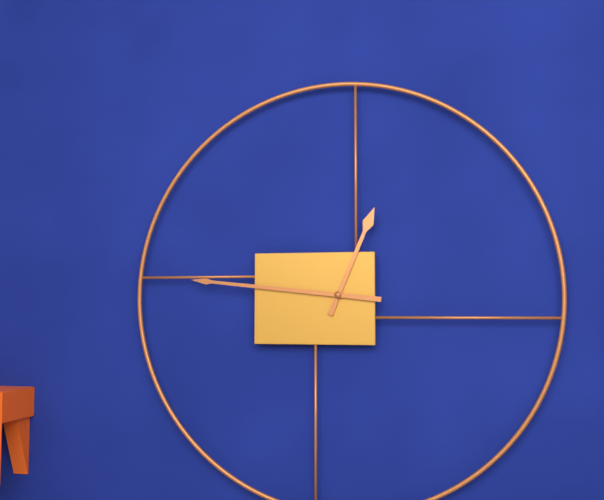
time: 12:46
